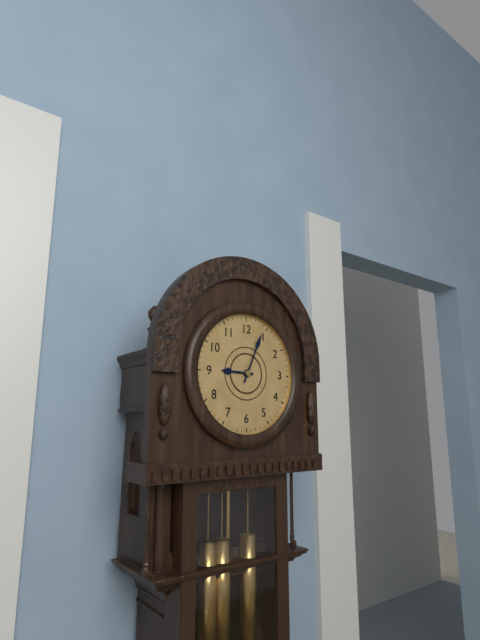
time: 9:04
